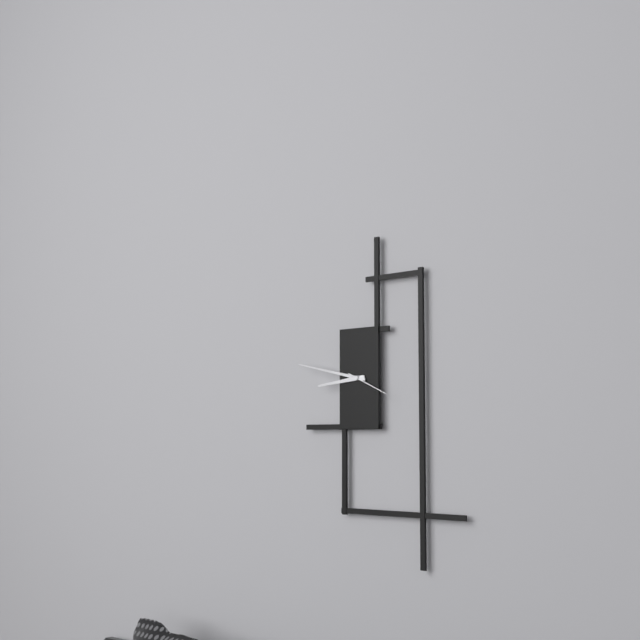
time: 8:47
